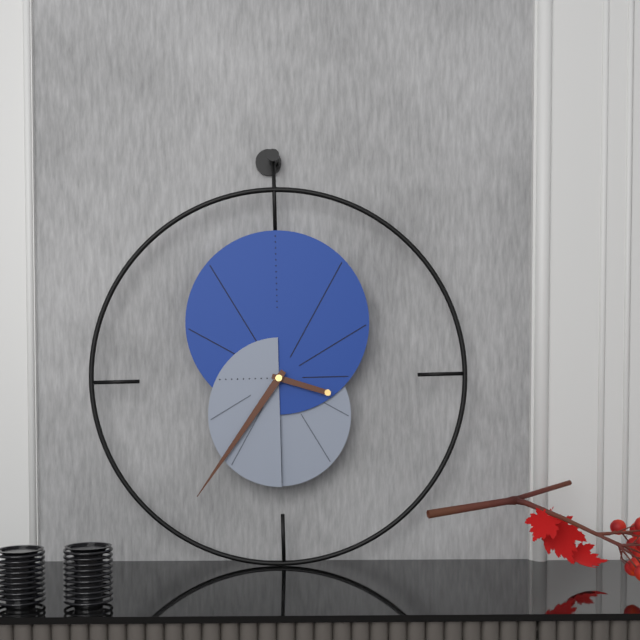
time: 3:36
